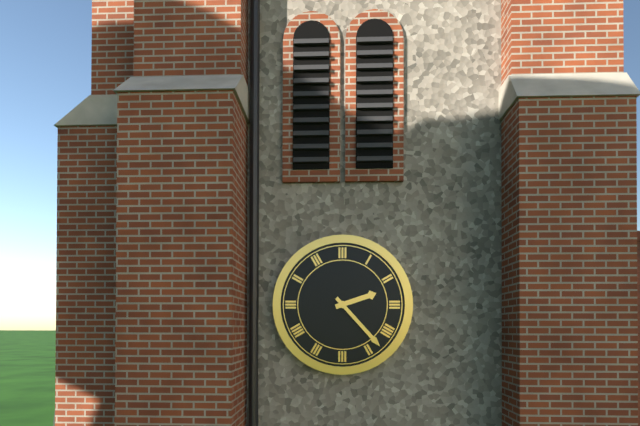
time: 2:23
